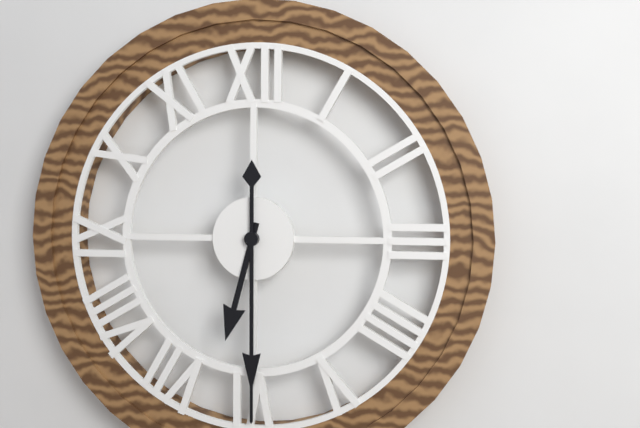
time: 6:30
